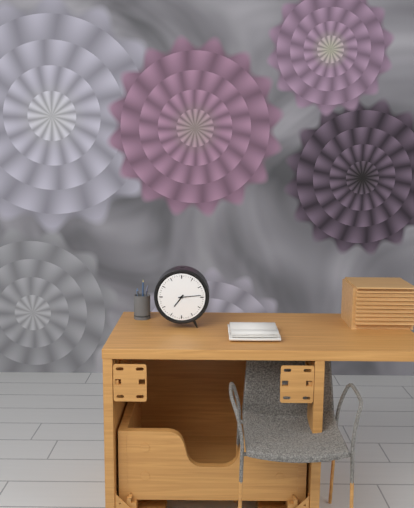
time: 7:14
